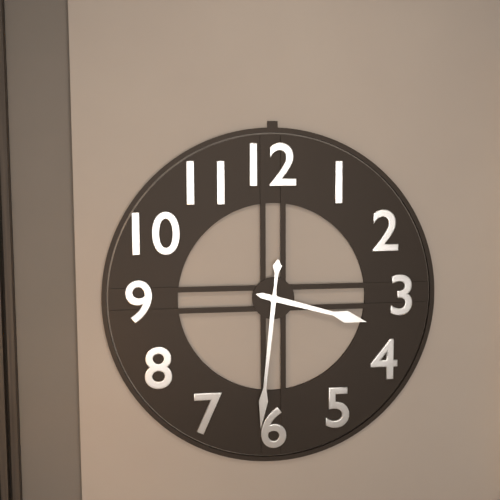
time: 3:31
